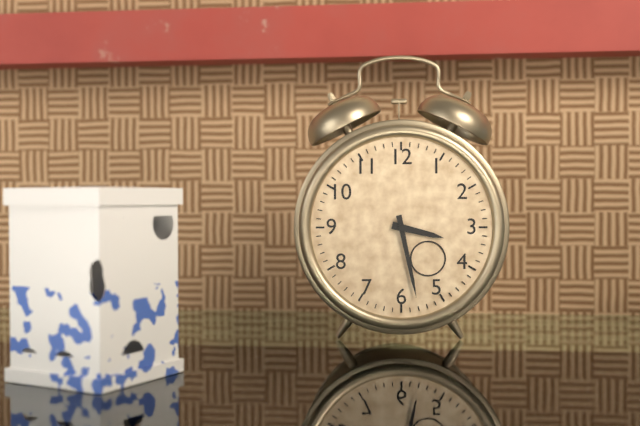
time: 3:28
